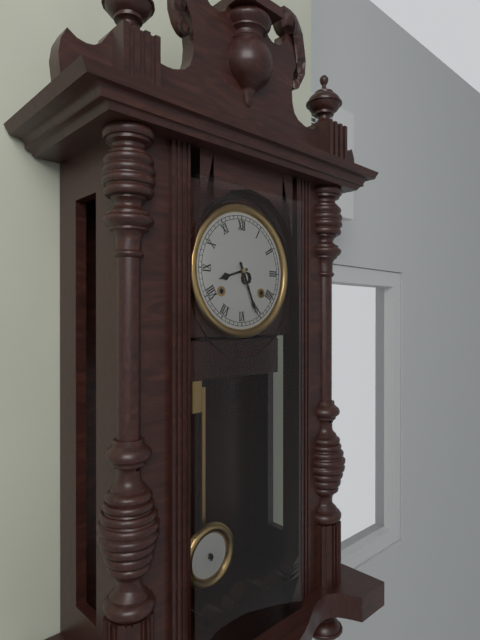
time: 8:26
